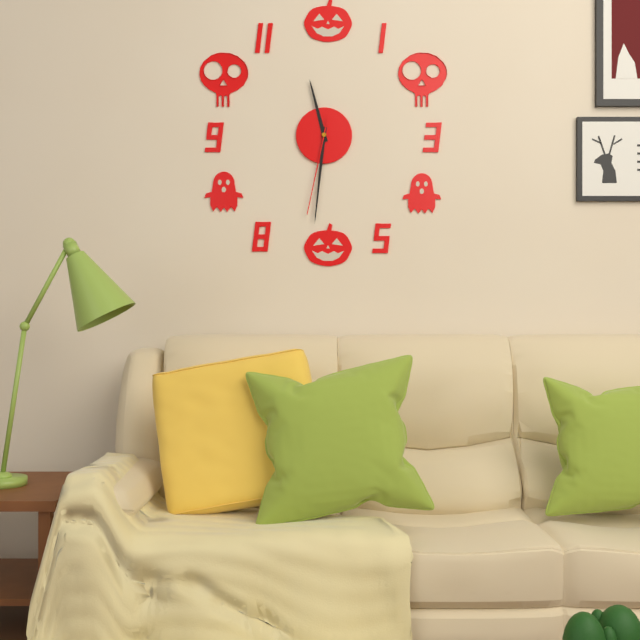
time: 11:31:32
